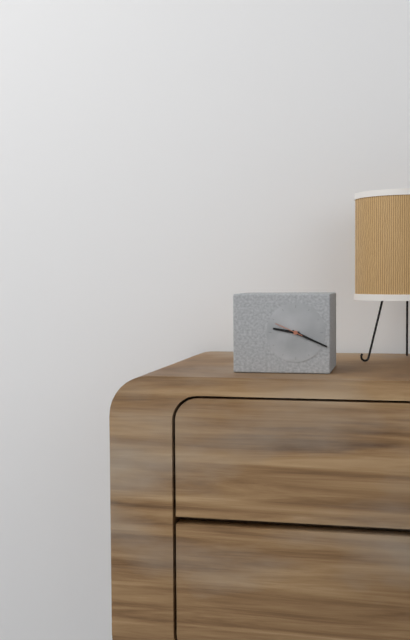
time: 9:19
